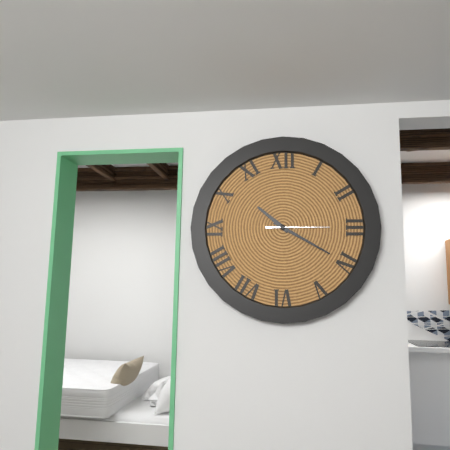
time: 10:20:15
